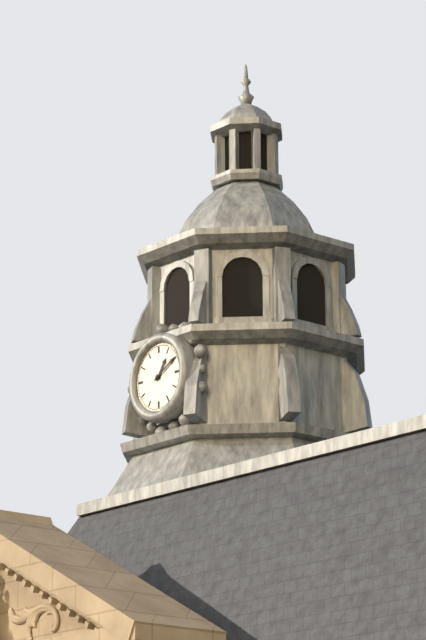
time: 1:10
